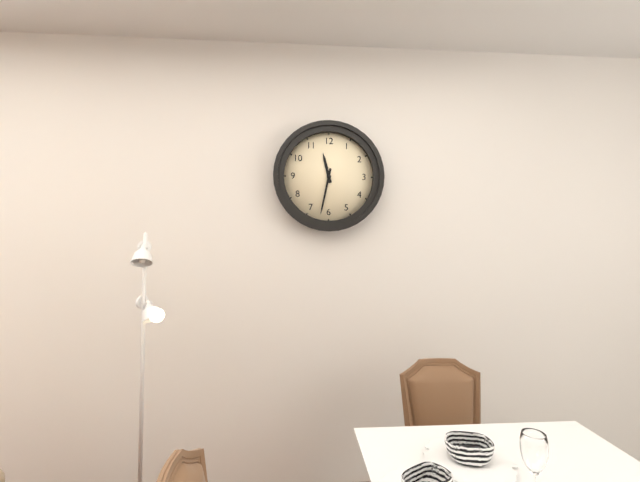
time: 11:32
